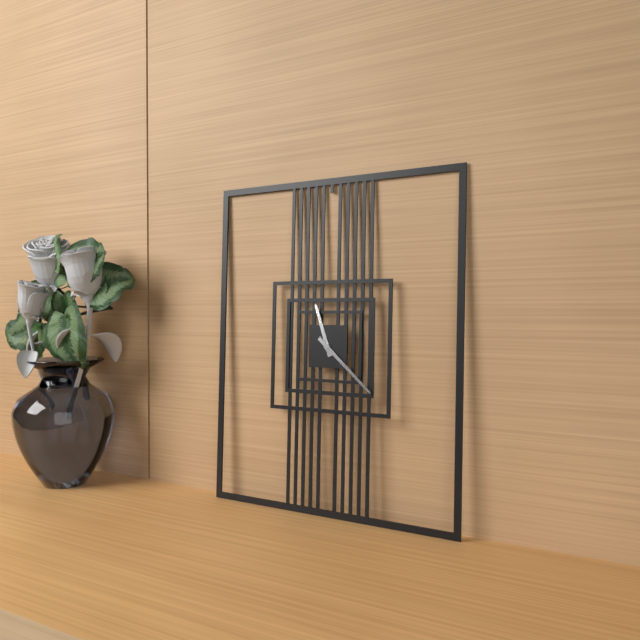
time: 11:22
